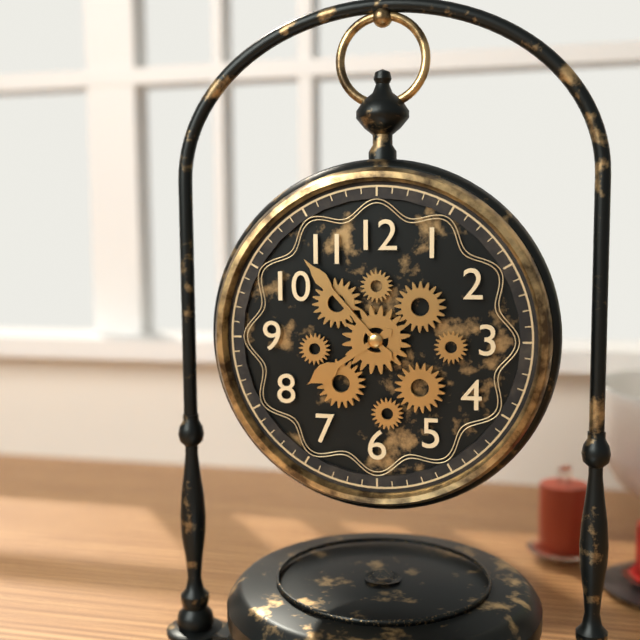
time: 7:53
